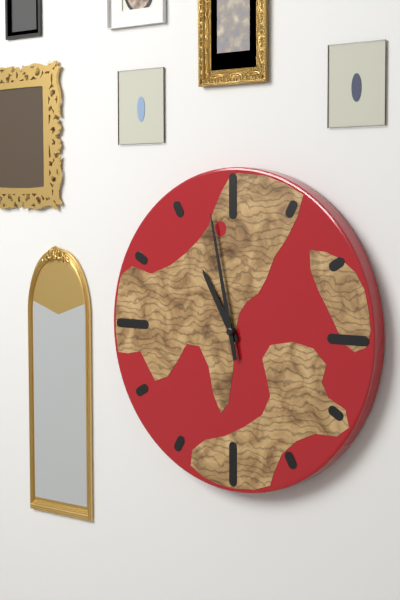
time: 10:58
